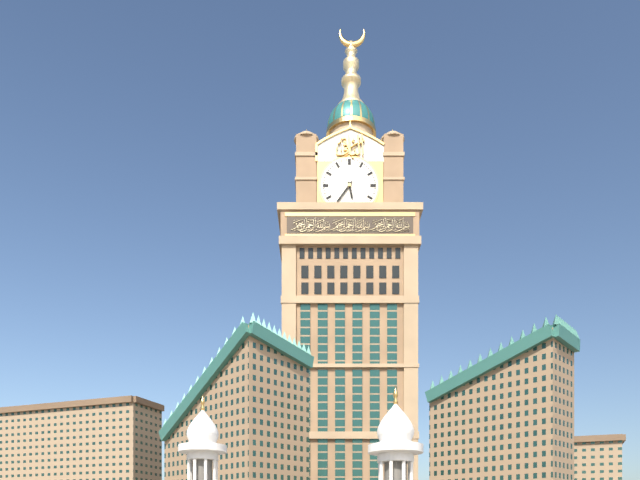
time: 5:36
